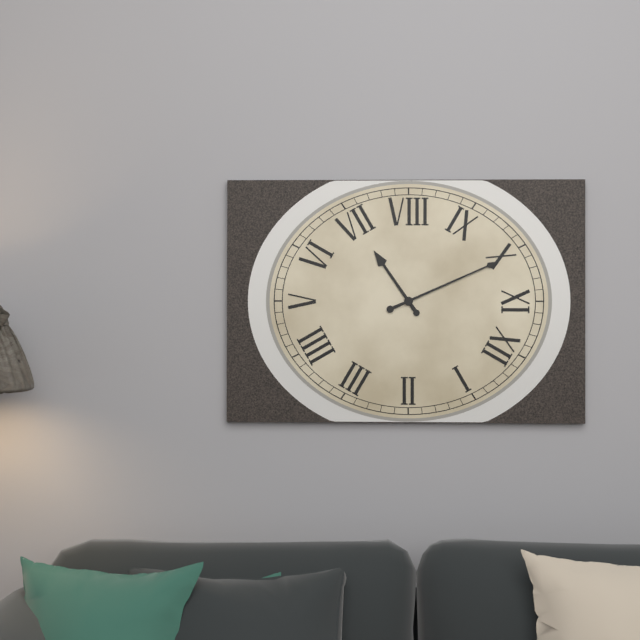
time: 6:51
